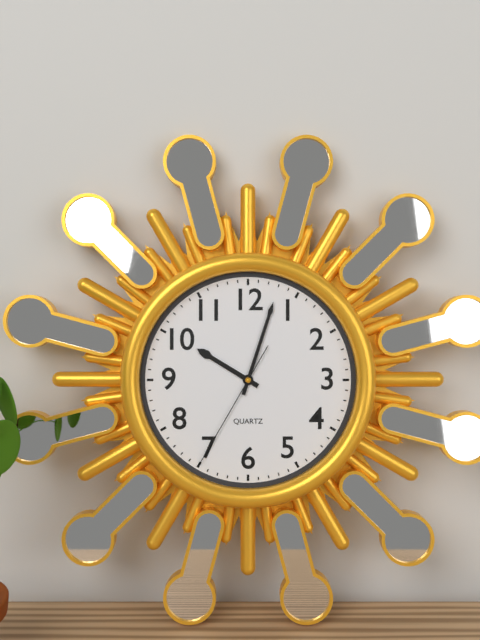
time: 10:03:35
